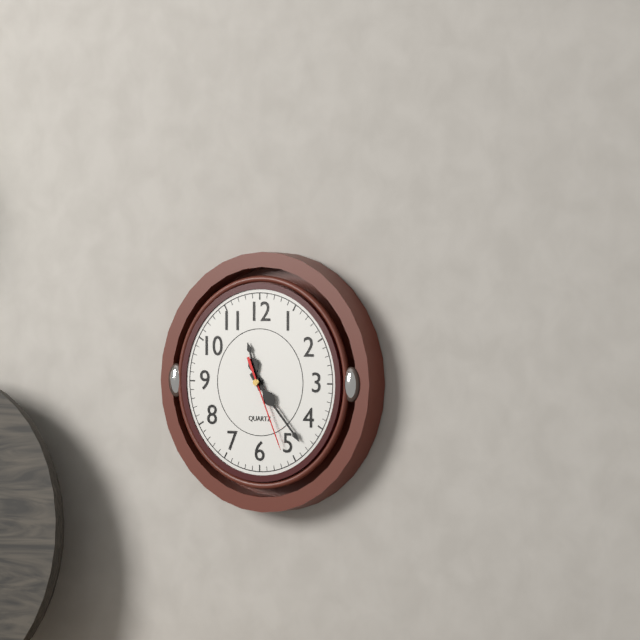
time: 11:23:26
